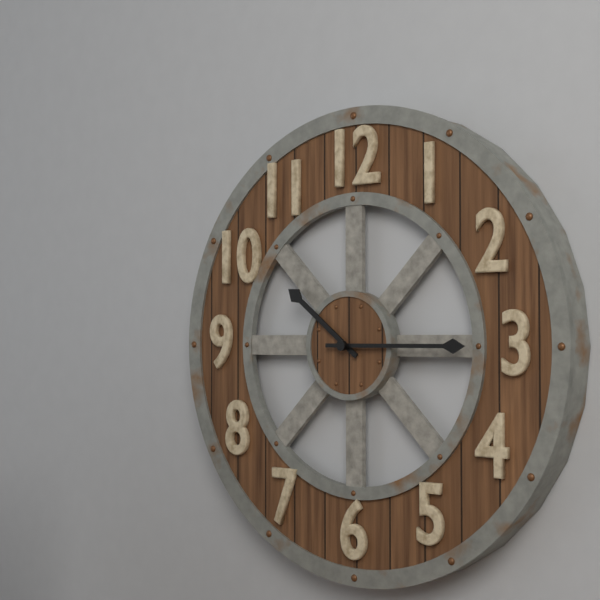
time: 10:15
